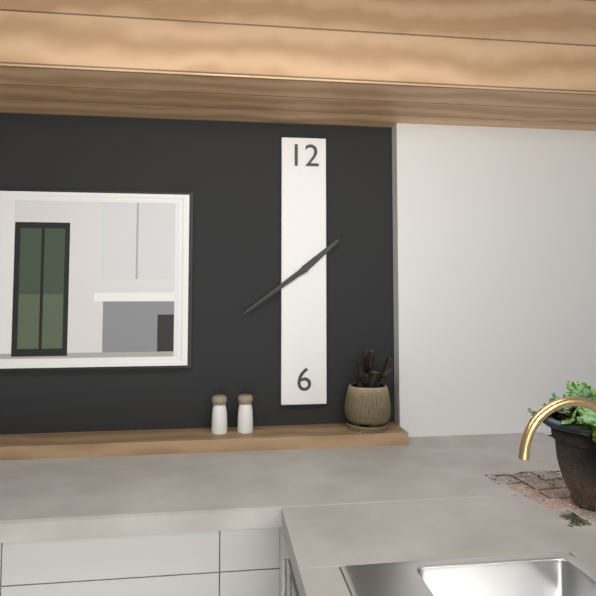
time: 1:39:39
